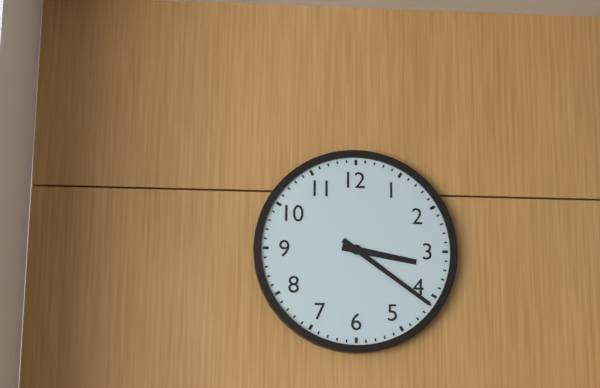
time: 3:21
